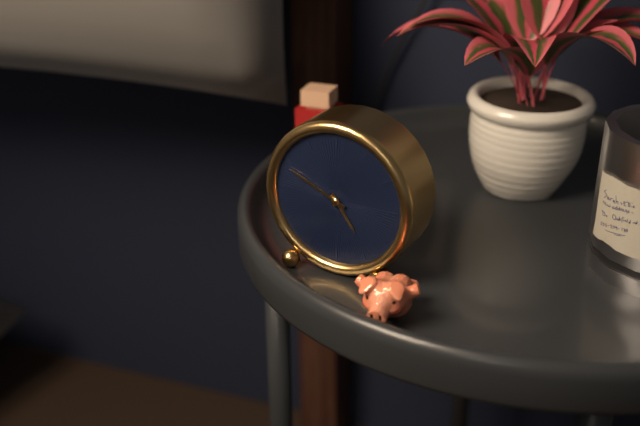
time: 4:49
